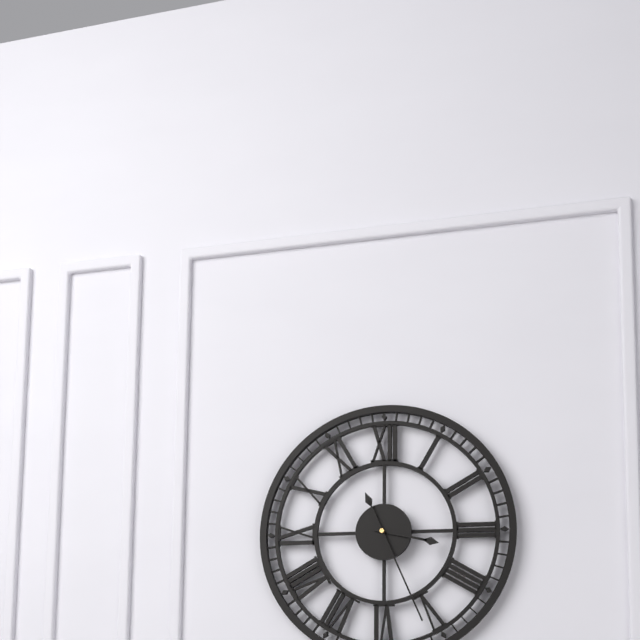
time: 3:26
